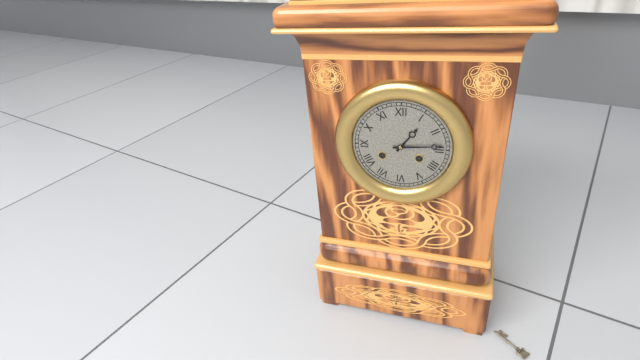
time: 1:14
